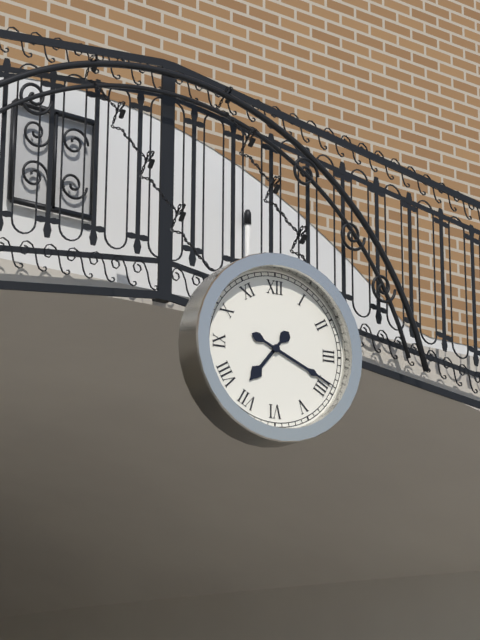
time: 7:19
